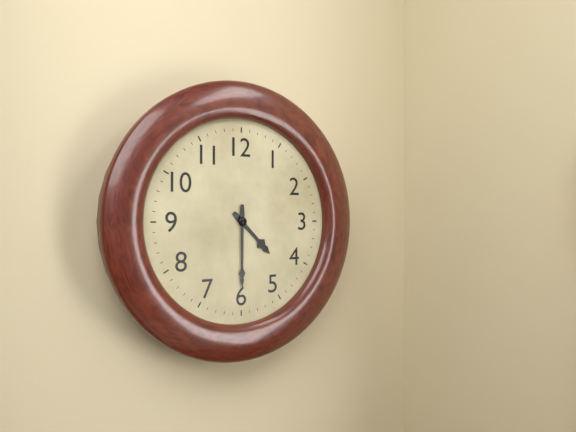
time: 4:30
